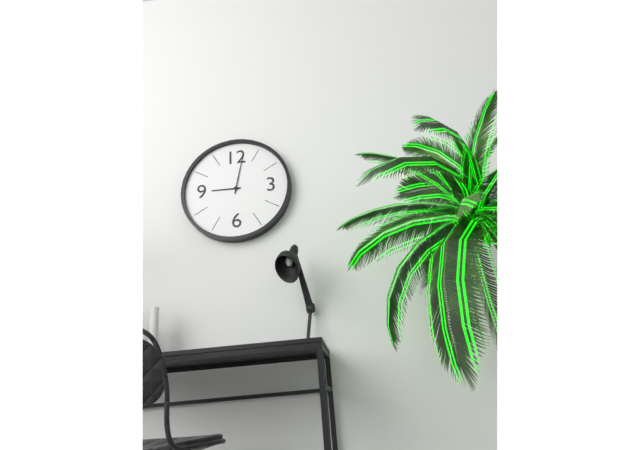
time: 9:02
